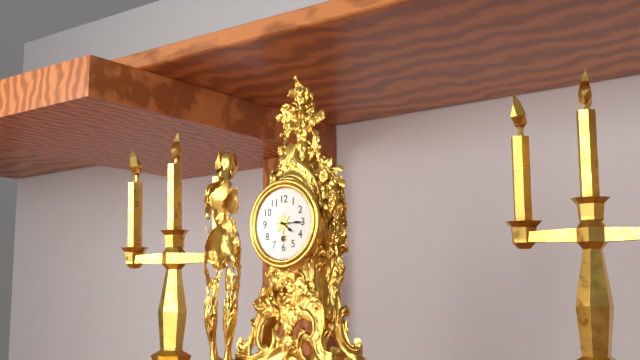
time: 4:15
